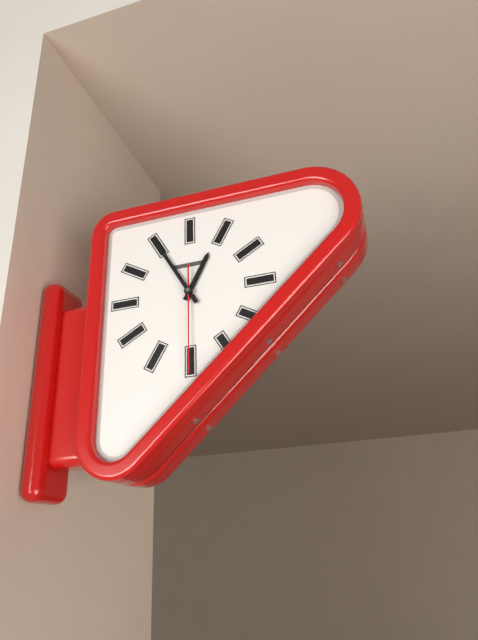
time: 12:55:30
